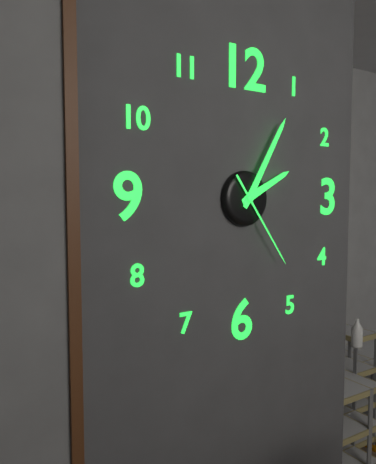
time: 2:05:24
